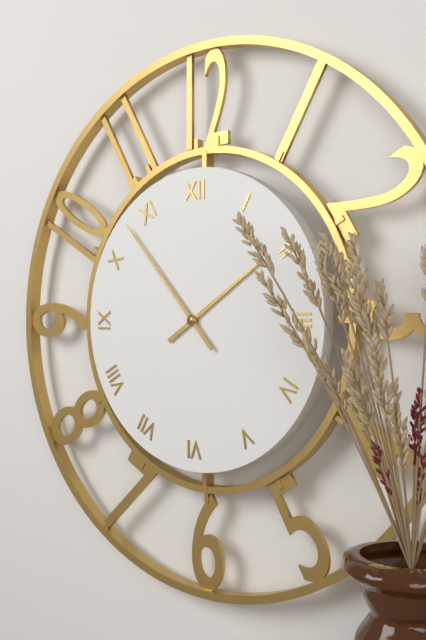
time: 1:53
